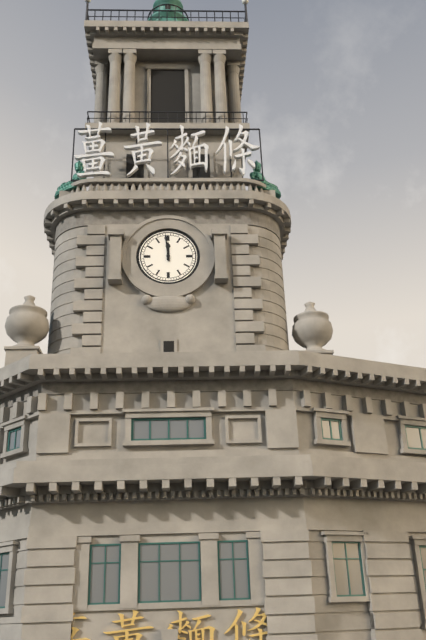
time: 11:59
